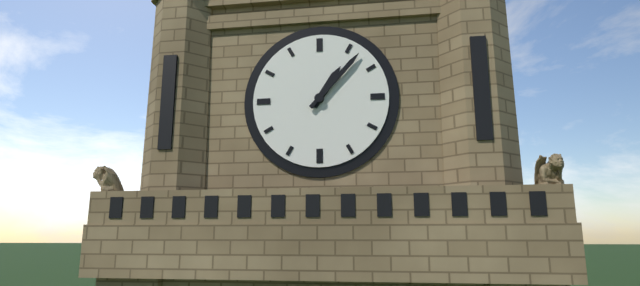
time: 1:07
